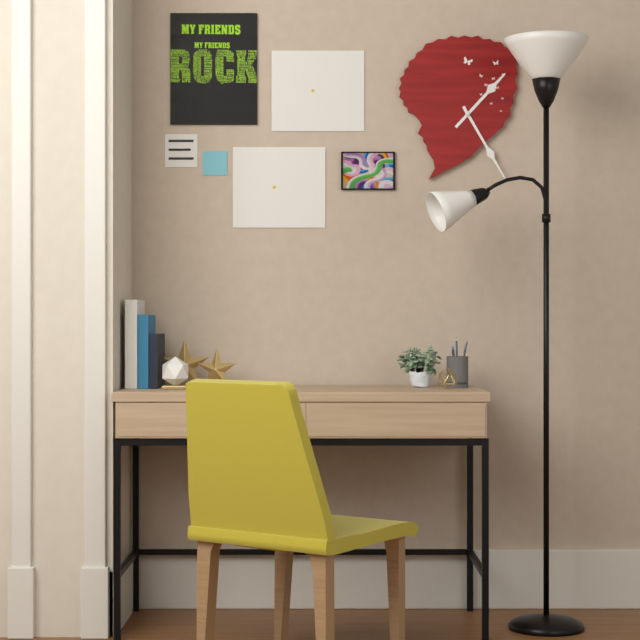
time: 1:25
